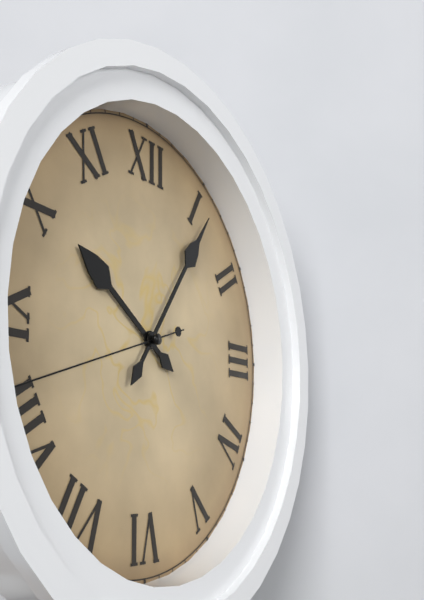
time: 10:06:42
